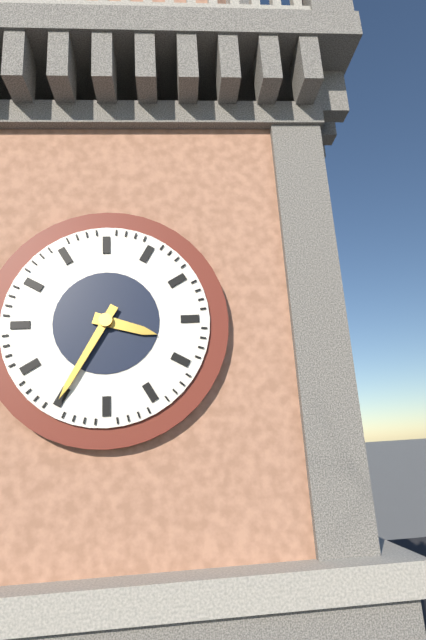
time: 3:35
